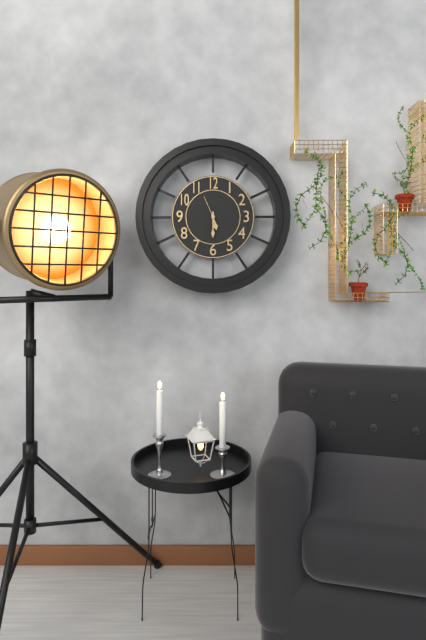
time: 5:30
